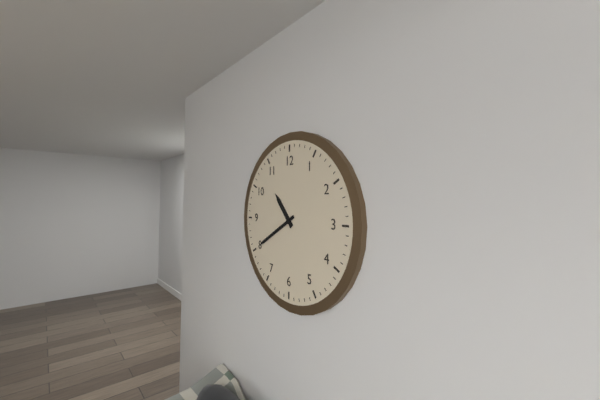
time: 10:40
